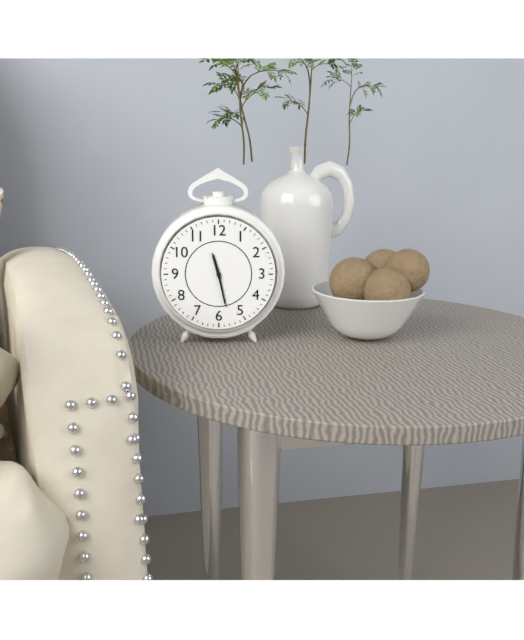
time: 11:28
